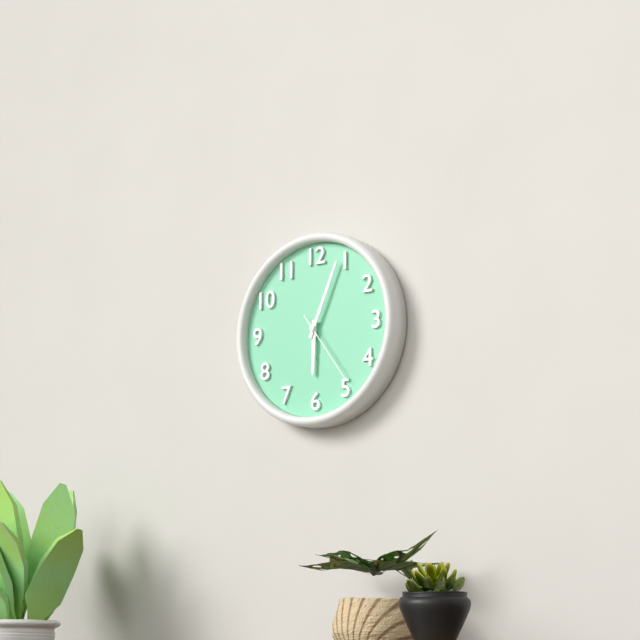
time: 6:04:24
